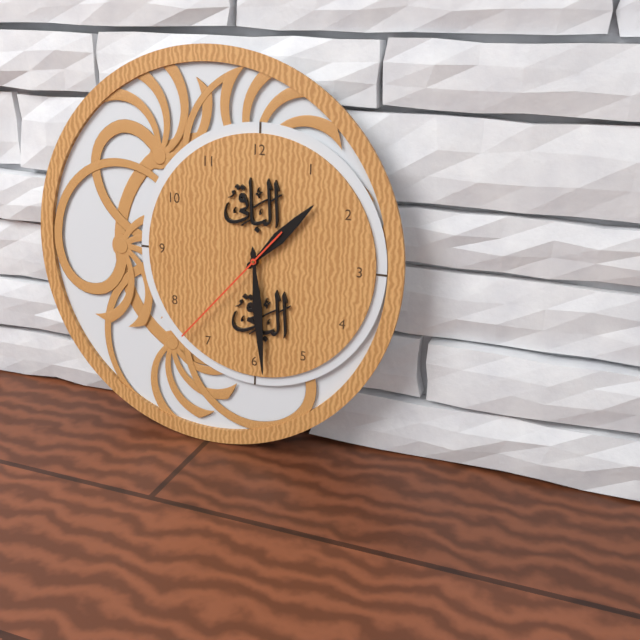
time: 1:29:37
